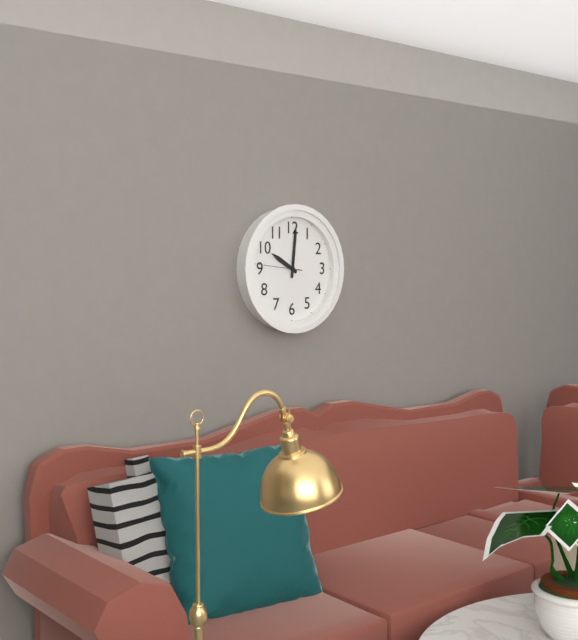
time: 10:01
